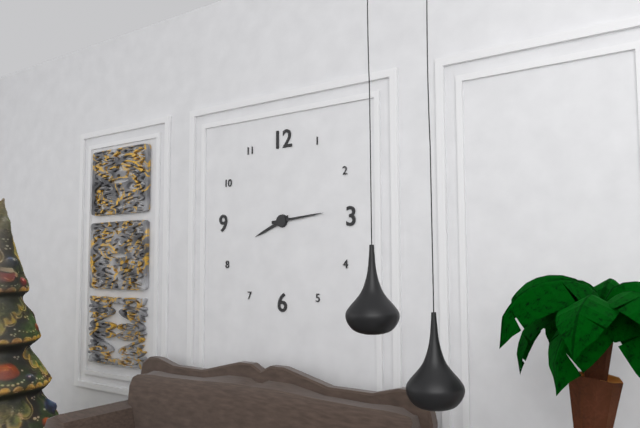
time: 8:14
